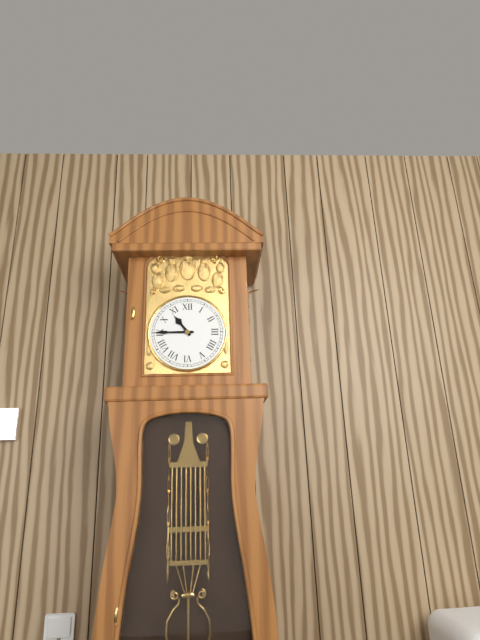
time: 10:45
